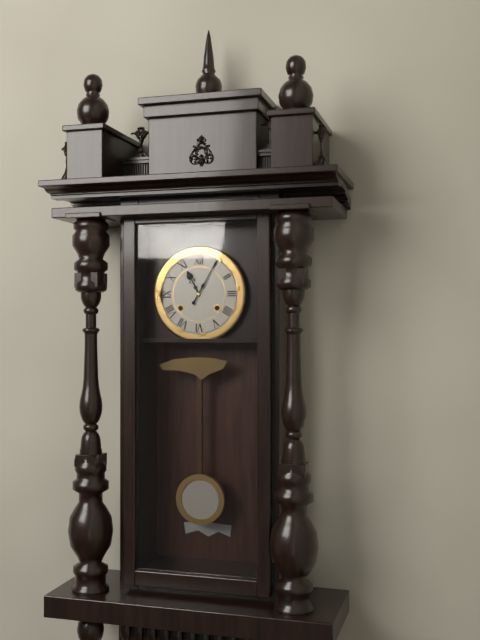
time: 11:05
